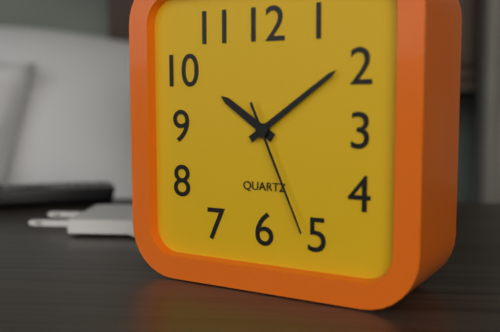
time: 10:09:26
